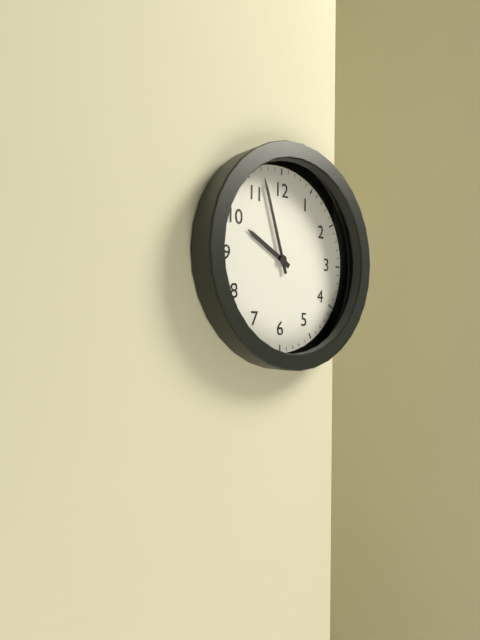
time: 9:57
